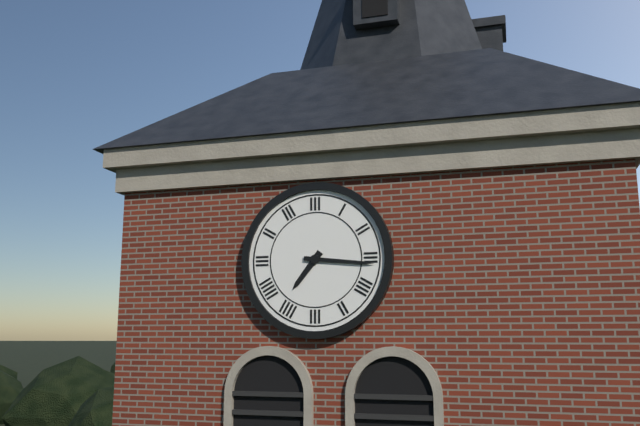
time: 7:16
